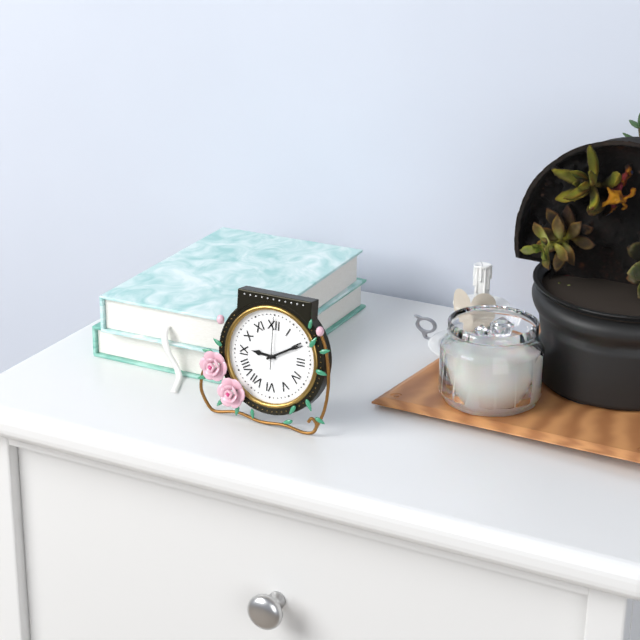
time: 9:10
